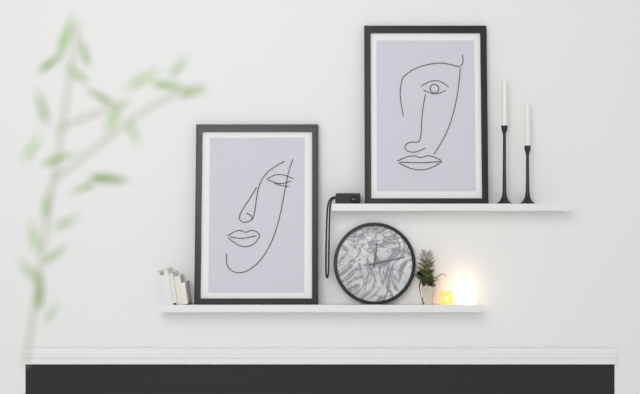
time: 12:13
